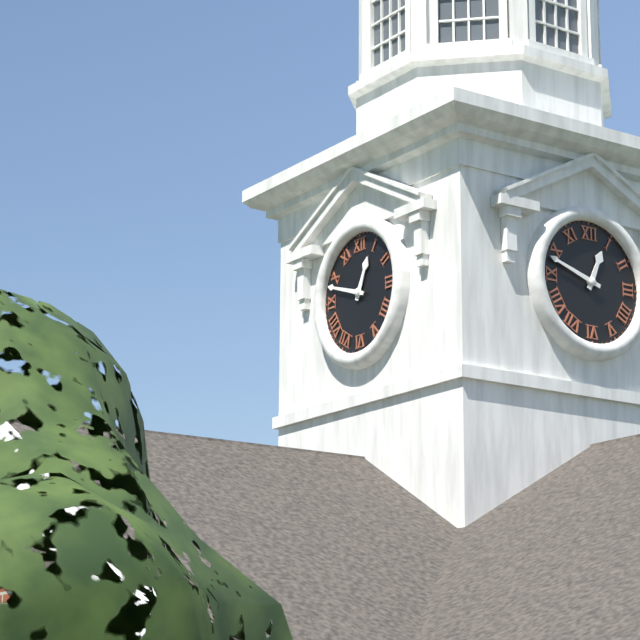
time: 12:48
